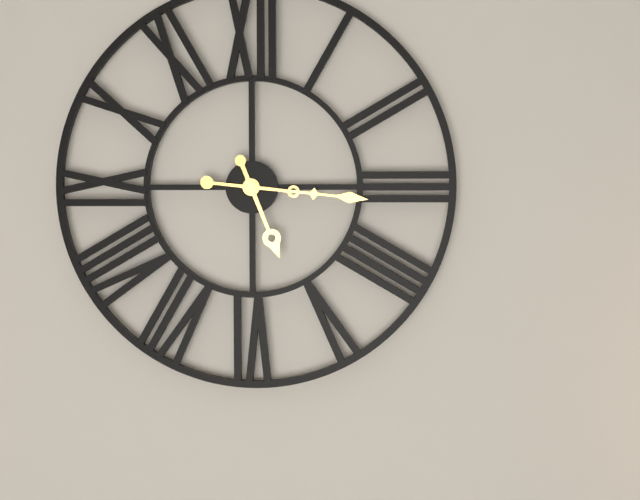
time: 5:16
